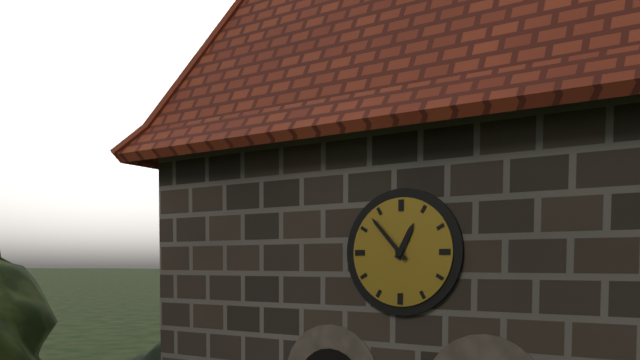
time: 12:53
